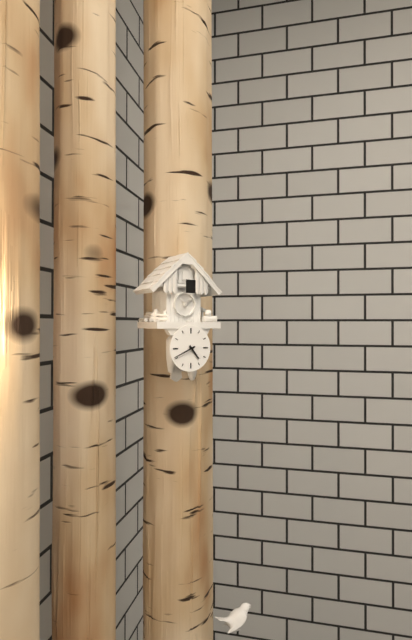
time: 4:41
